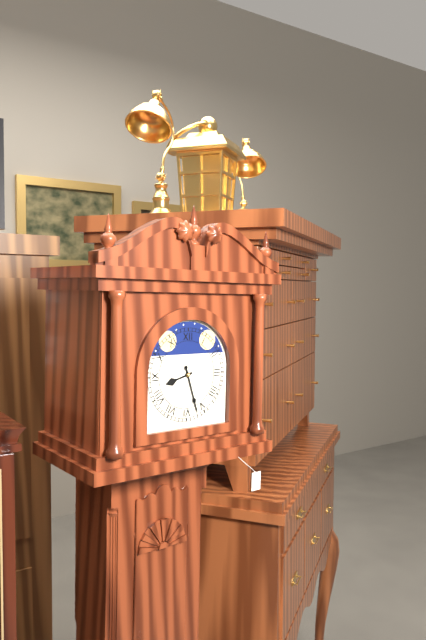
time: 8:27
